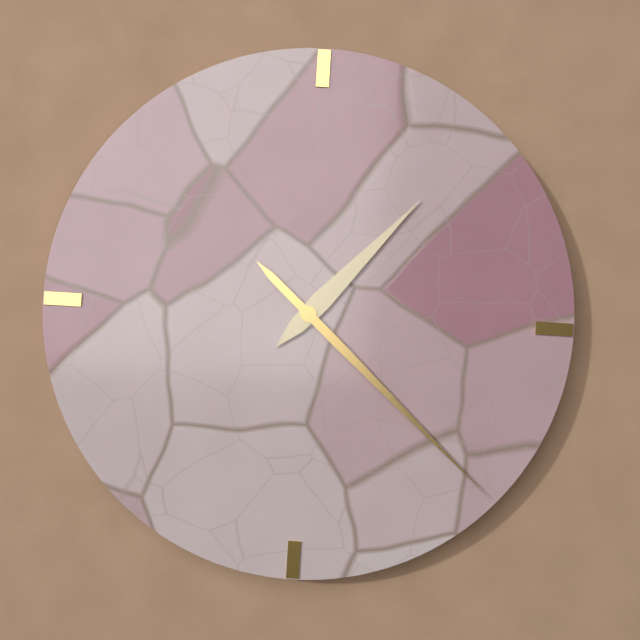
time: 1:22
